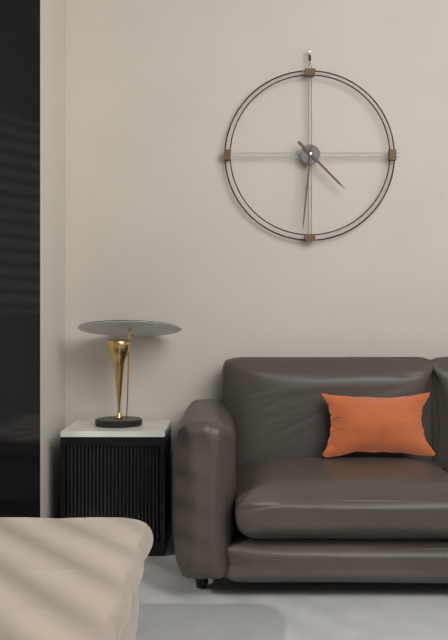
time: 4:31
